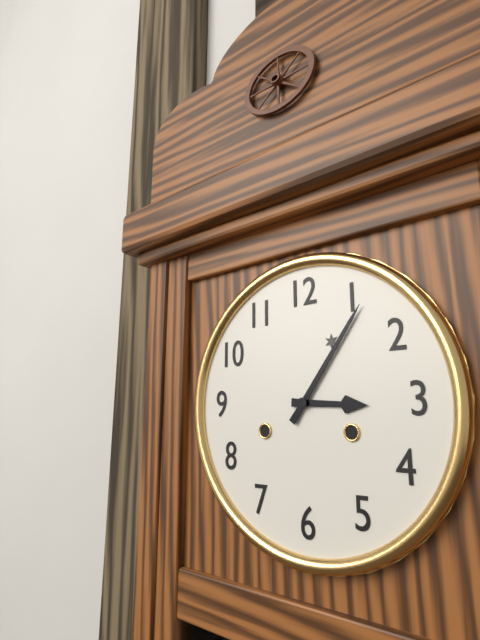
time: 3:06
